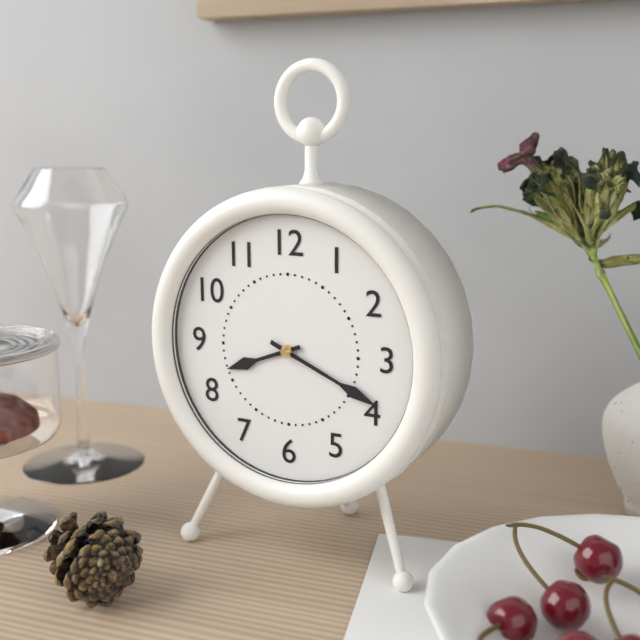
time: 8:19
